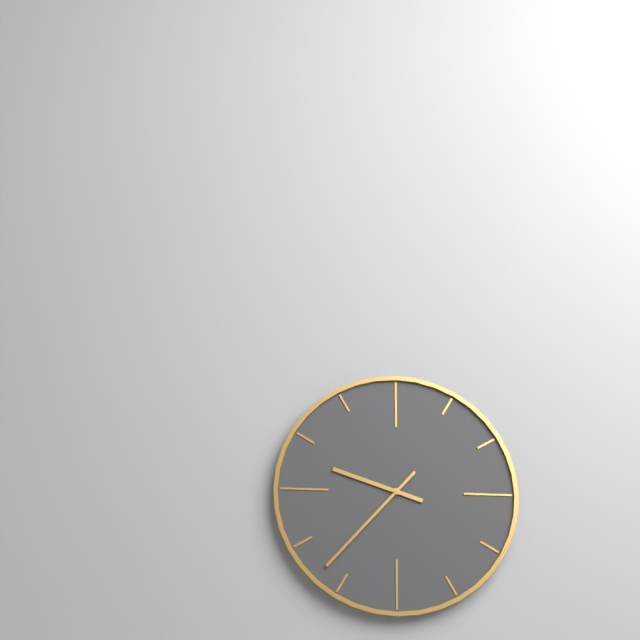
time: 9:37
